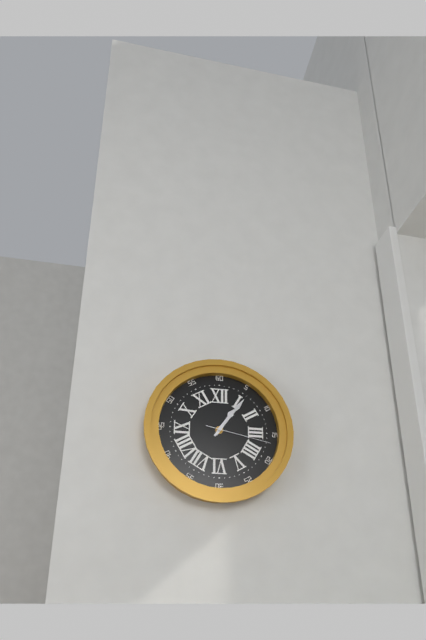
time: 1:06:17
